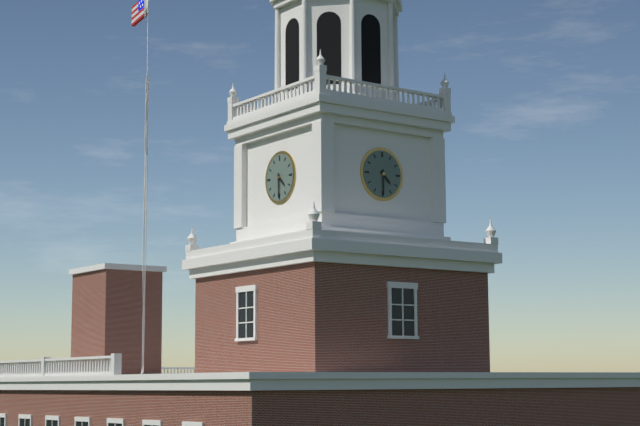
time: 4:30
